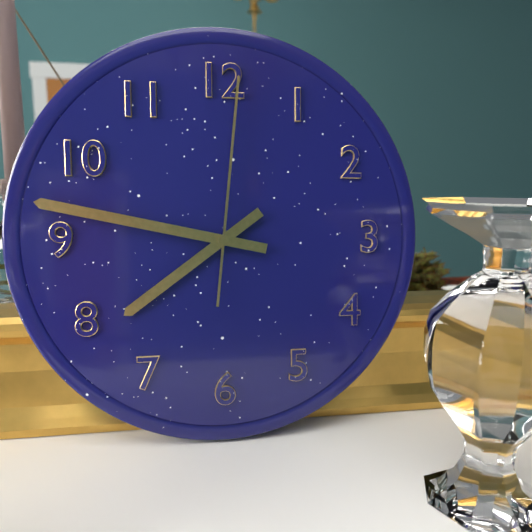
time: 7:47:01
